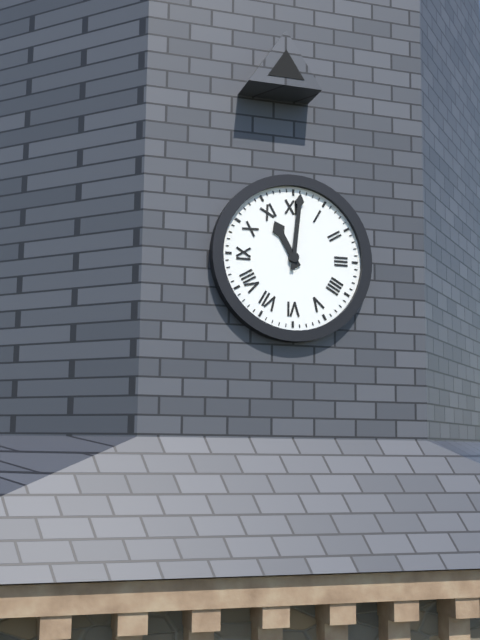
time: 11:01
